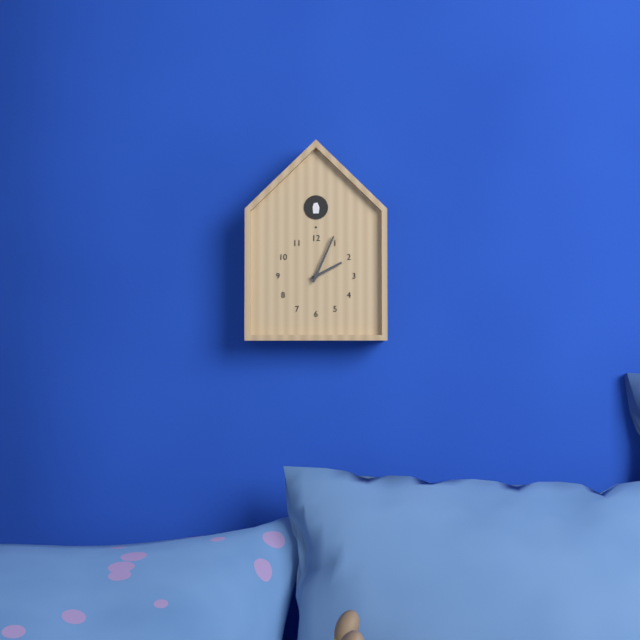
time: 2:04
